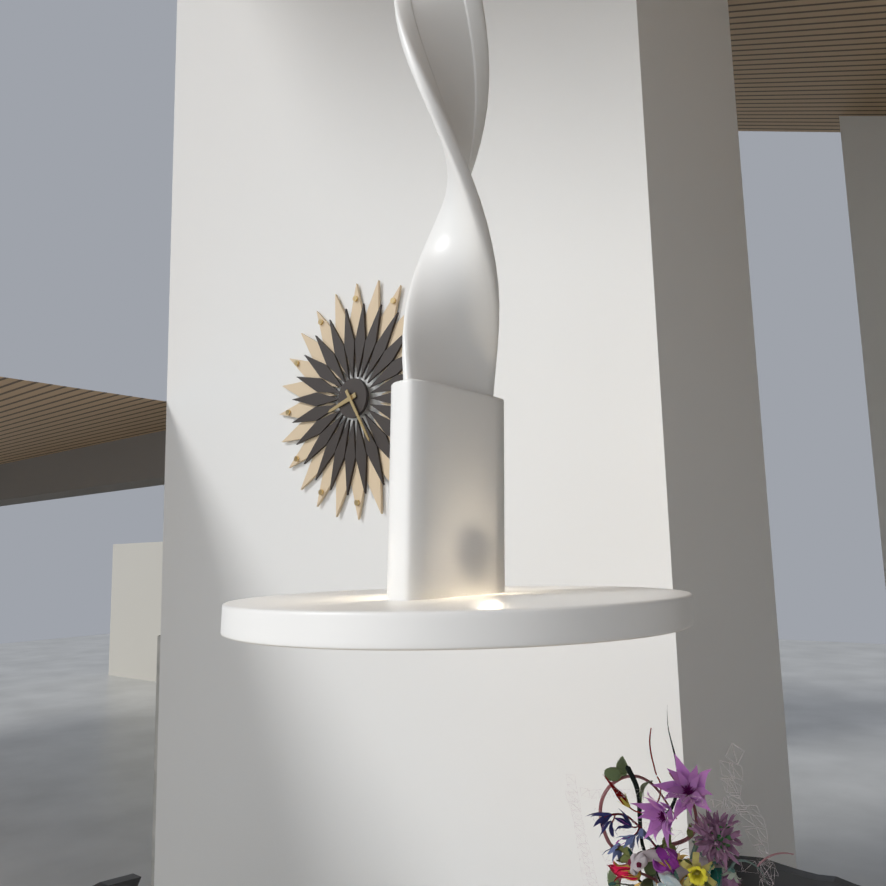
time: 8:25
